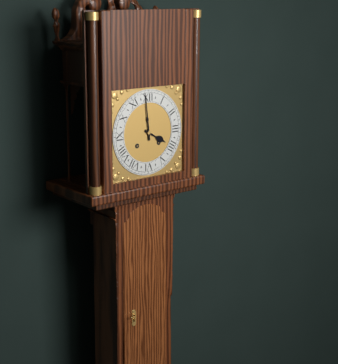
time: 3:59
